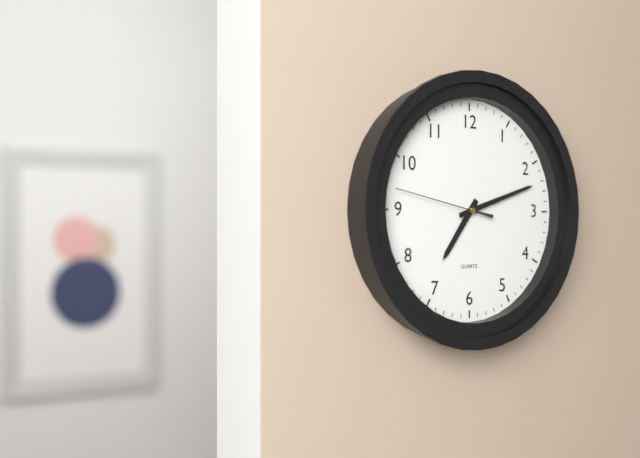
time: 7:12:47
